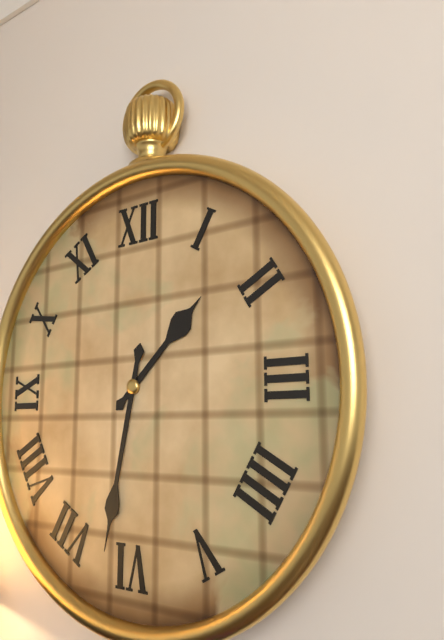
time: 1:32
